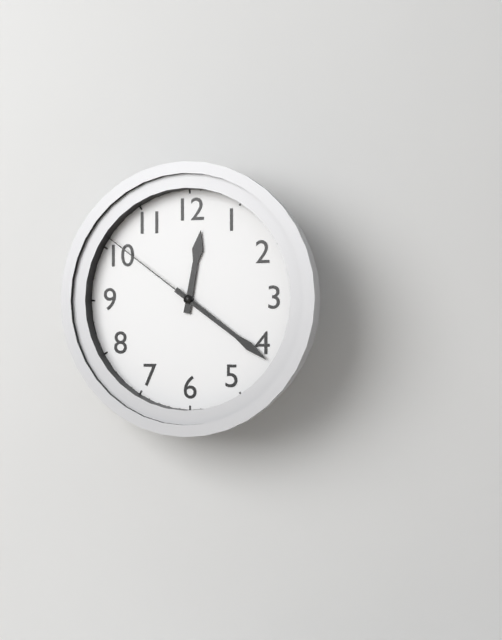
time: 12:21:51
